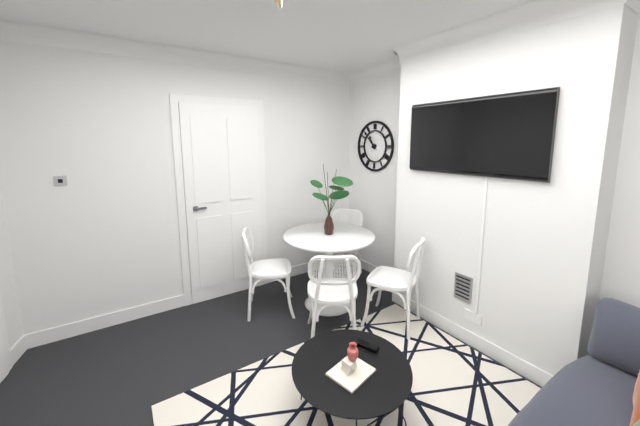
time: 10:53
